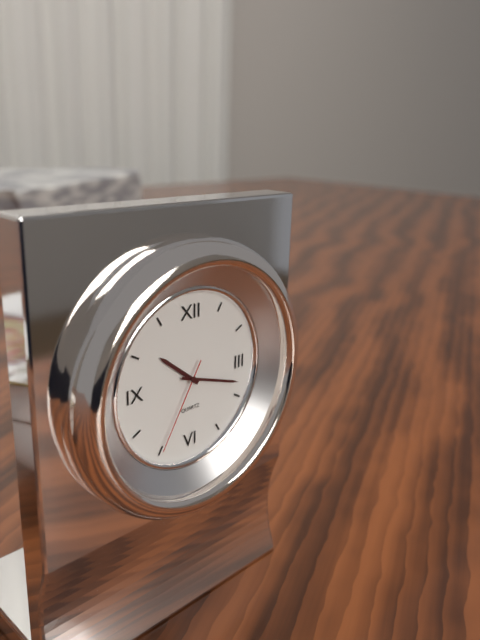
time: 10:18:35
